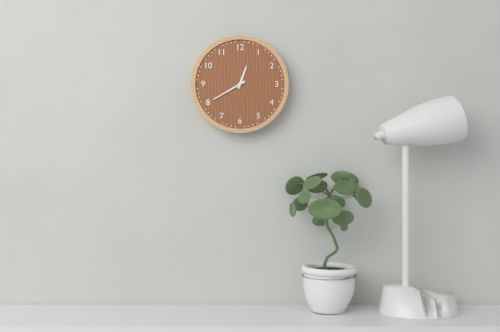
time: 12:40
